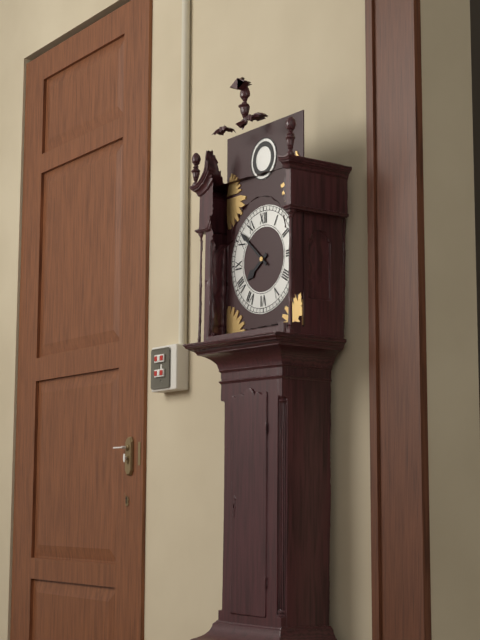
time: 7:52
